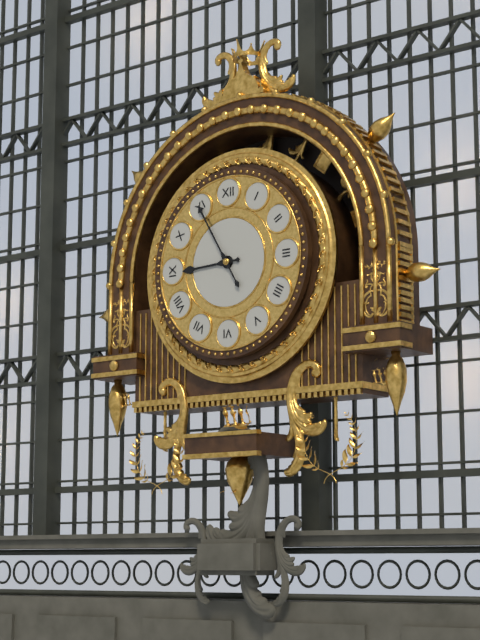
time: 8:55
